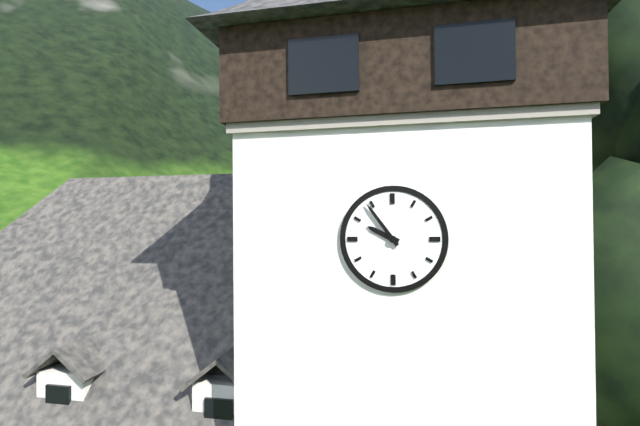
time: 9:54
